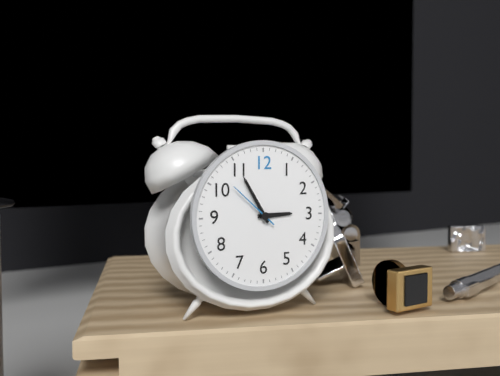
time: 2:55:52
